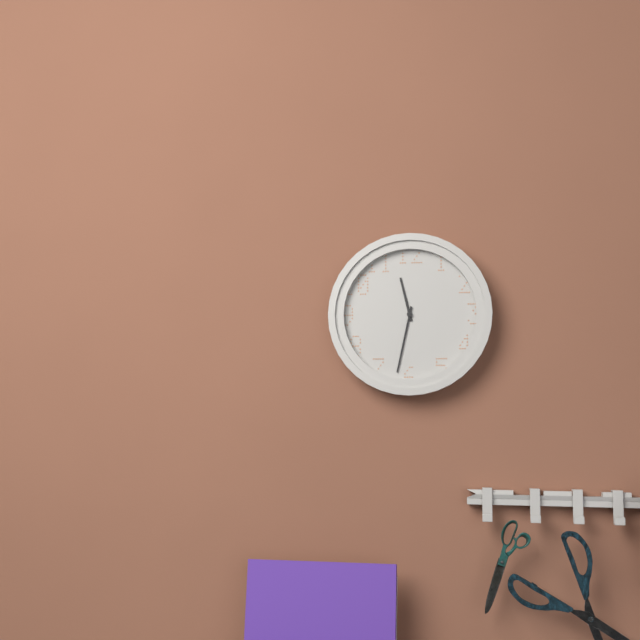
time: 11:32
